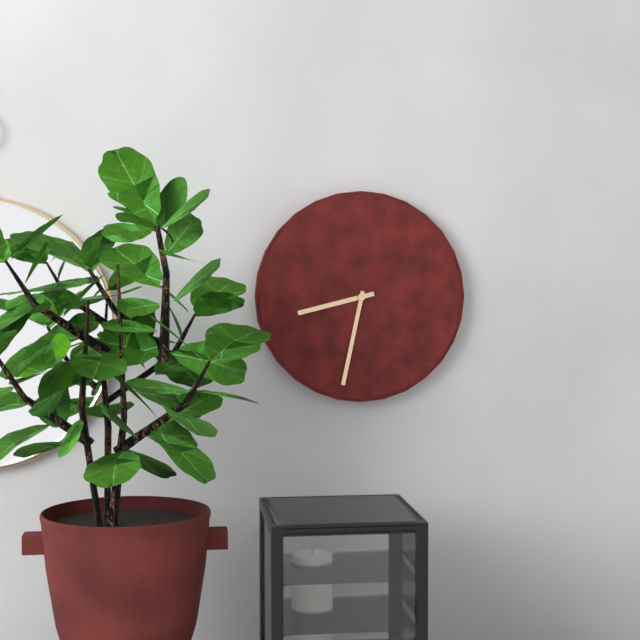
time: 8:32
